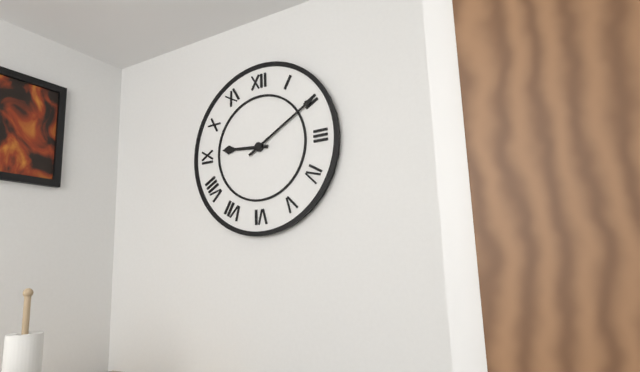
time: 9:10
